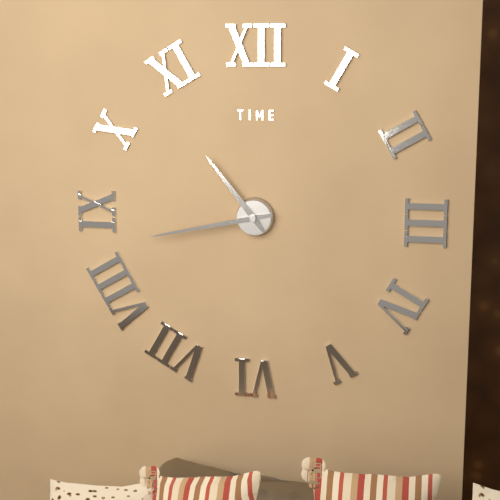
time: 10:43
